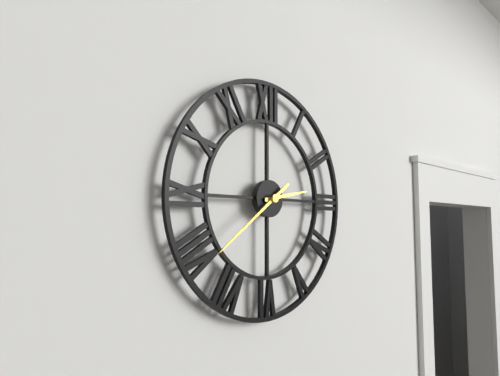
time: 2:39
